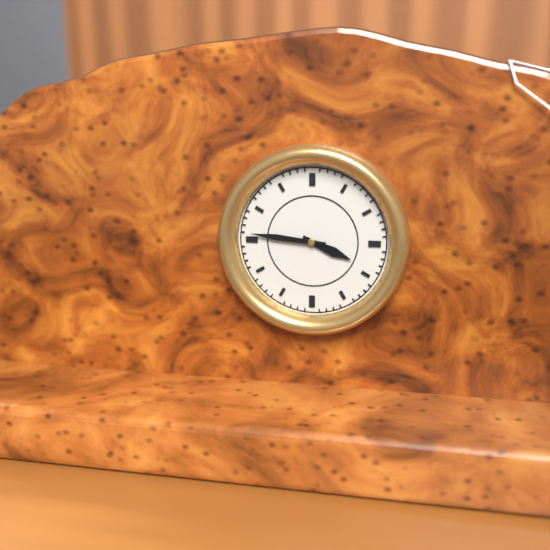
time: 3:46
